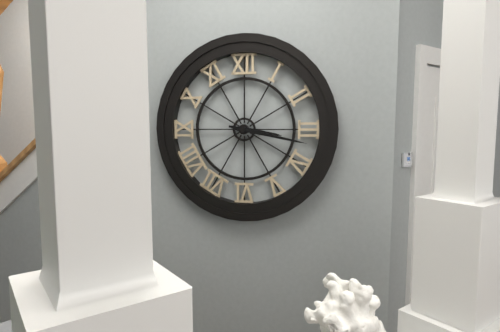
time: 3:17
